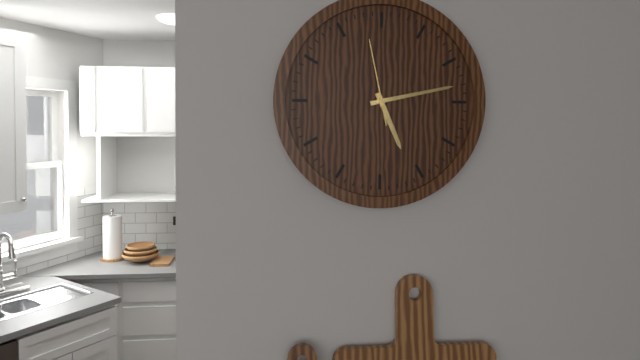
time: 5:13:58
